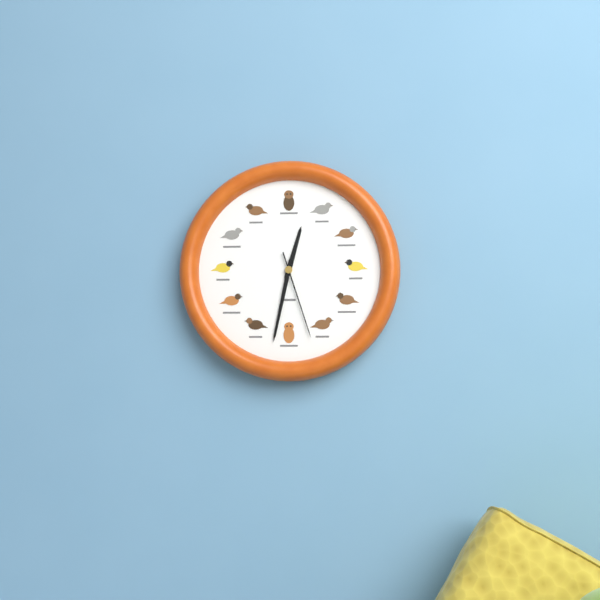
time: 12:32:27
